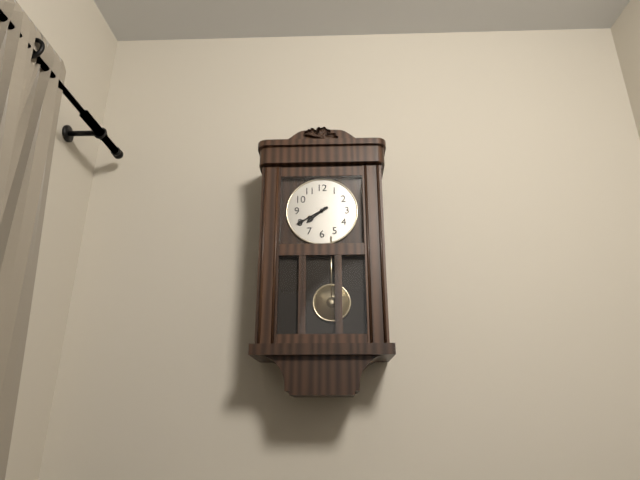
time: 7:40
